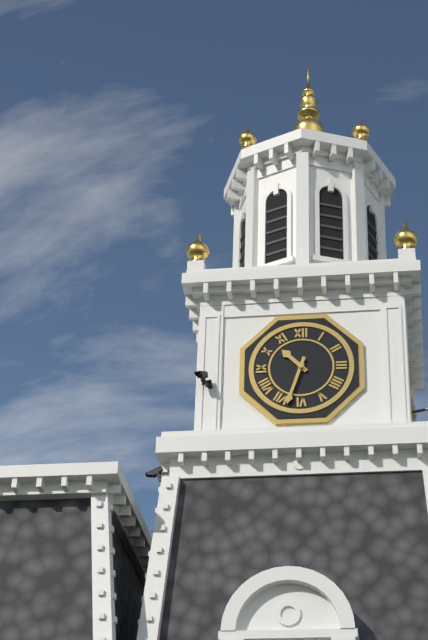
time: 10:33
